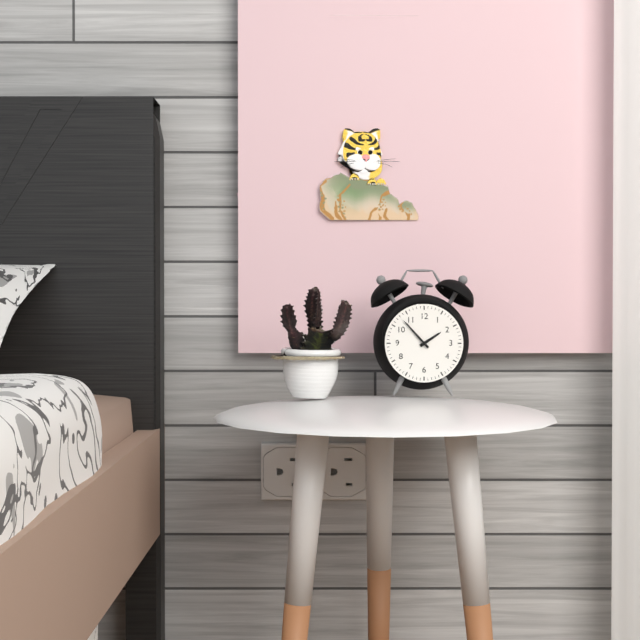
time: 1:53
